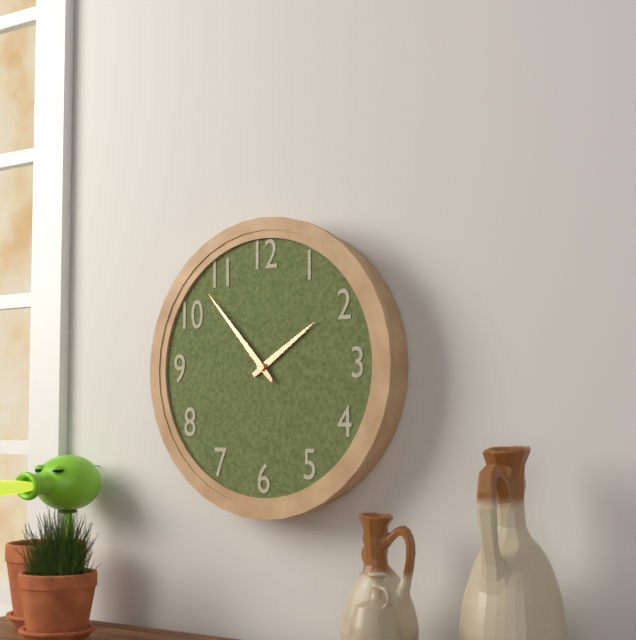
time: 1:53
